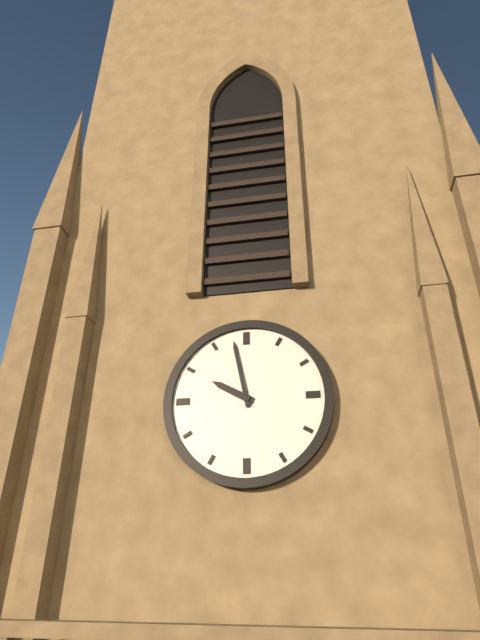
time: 9:58
